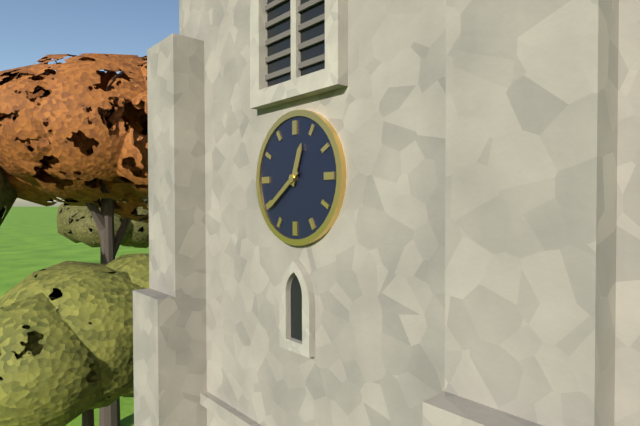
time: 12:39
